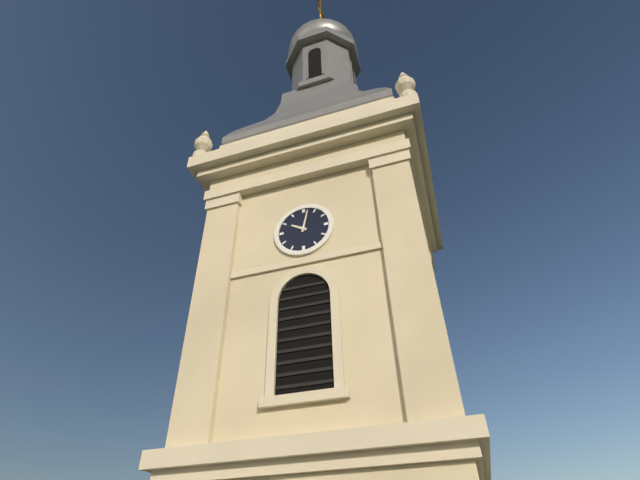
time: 10:02
